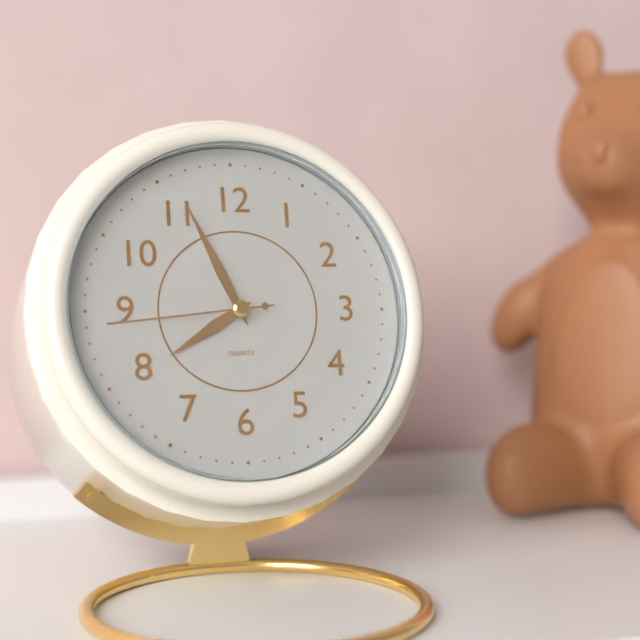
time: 7:56:44
